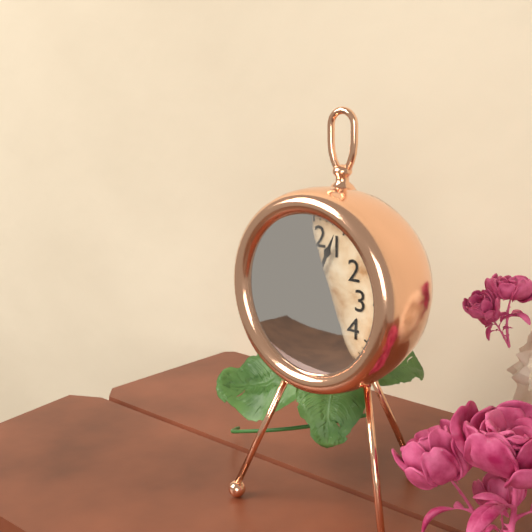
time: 9:04
